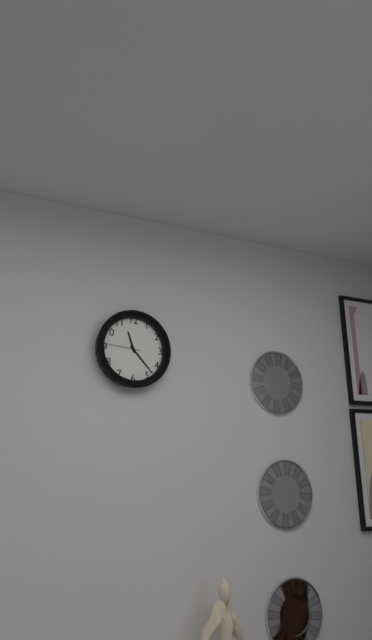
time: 11:23
